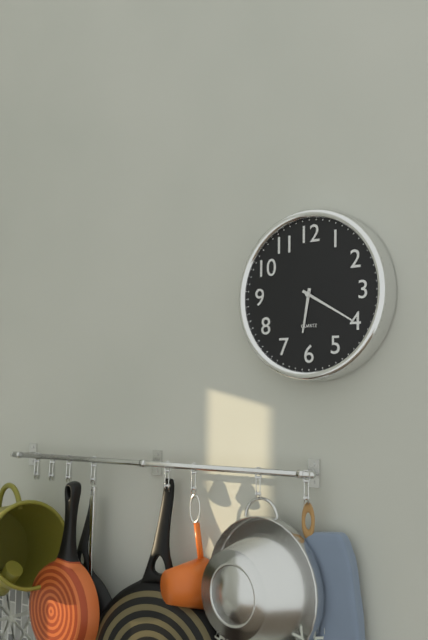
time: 6:20
